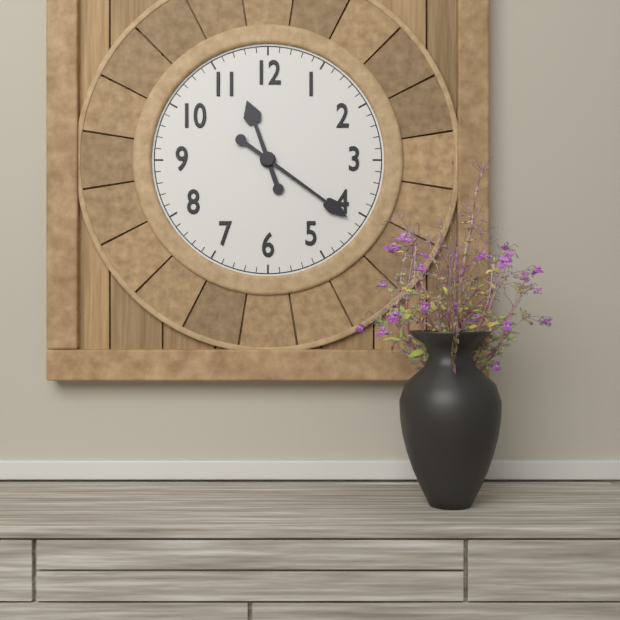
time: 11:21
